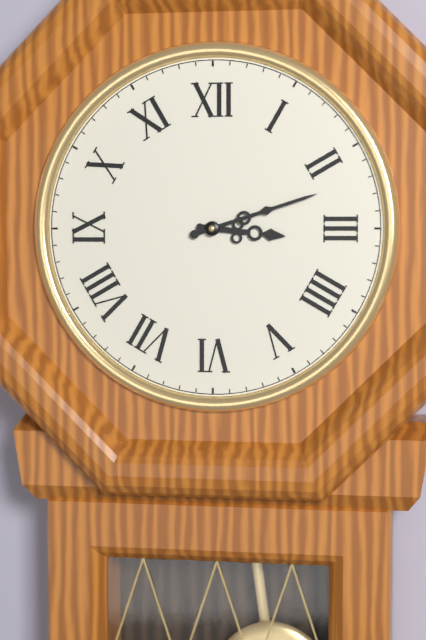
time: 3:12
